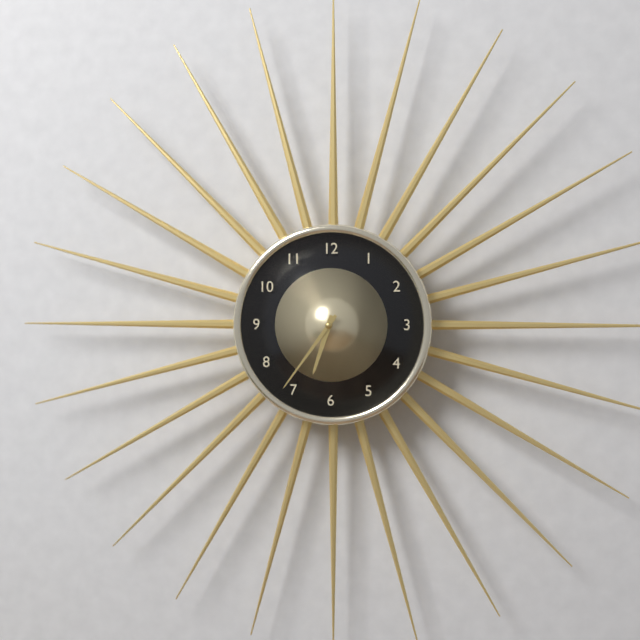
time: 6:36
